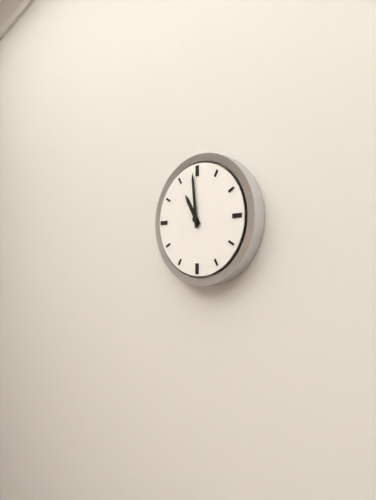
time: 10:59
